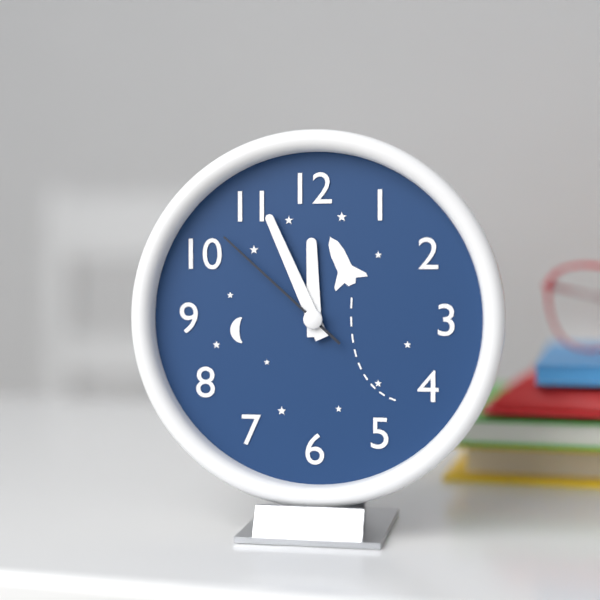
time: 11:56:52
